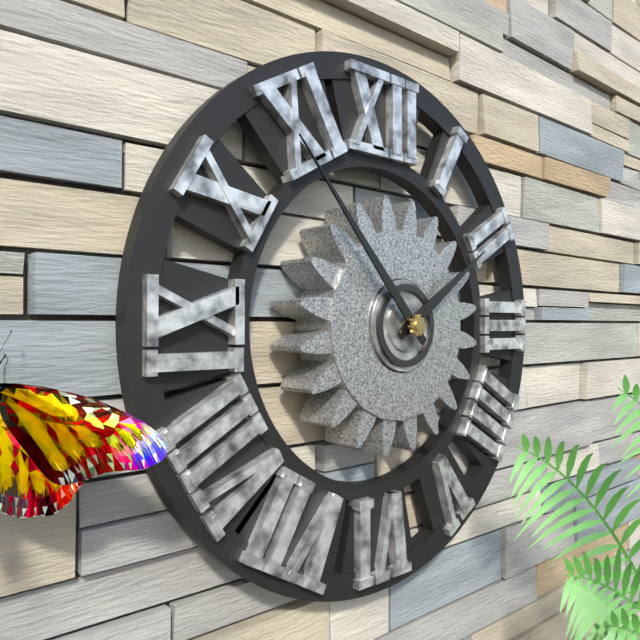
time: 1:53
